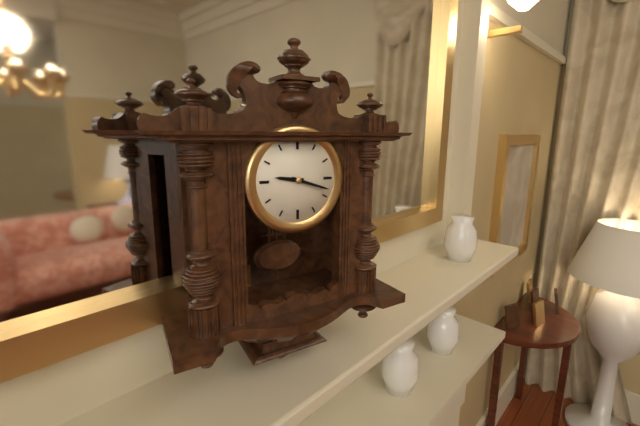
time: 9:18
